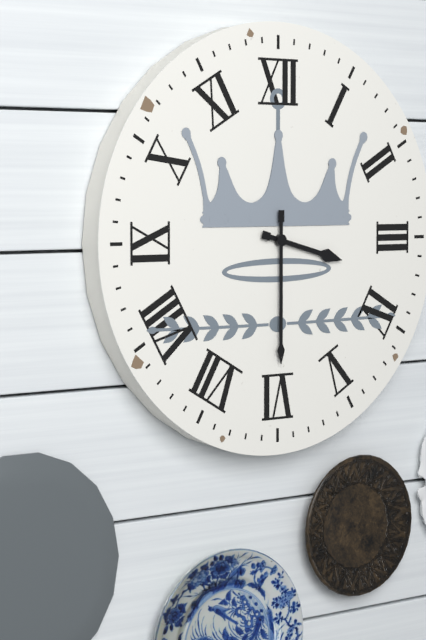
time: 3:30
